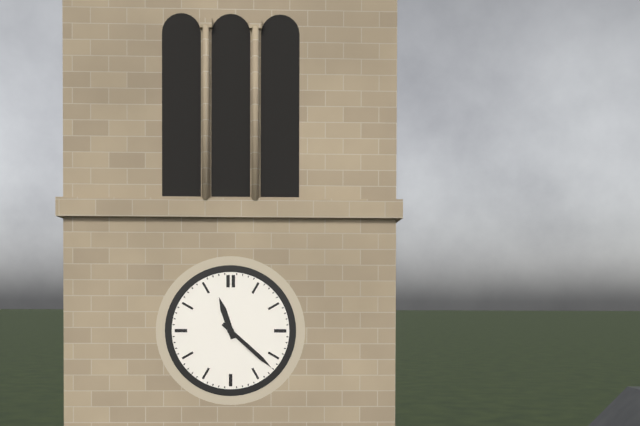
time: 11:22
